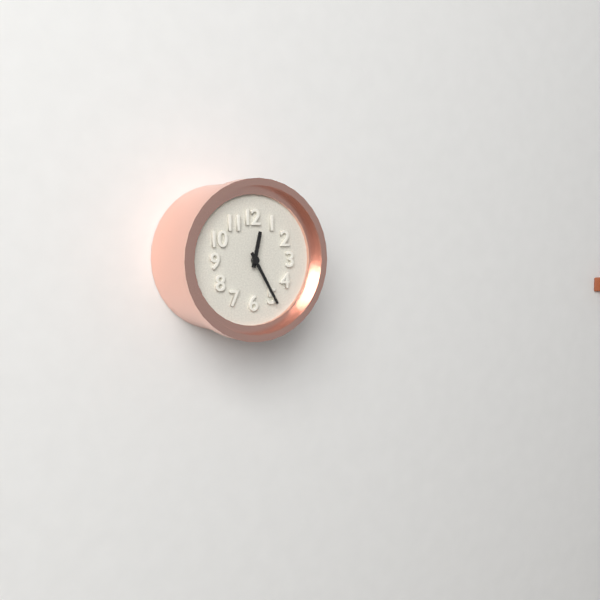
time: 12:25
